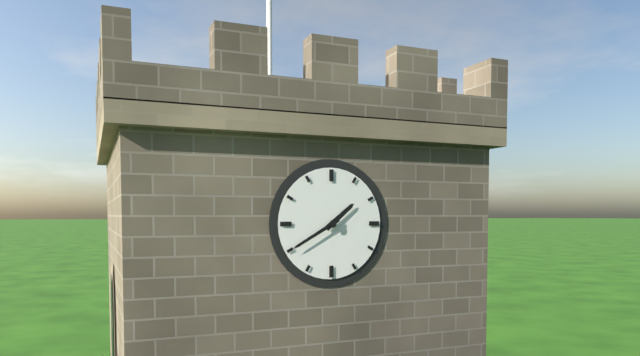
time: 1:40
